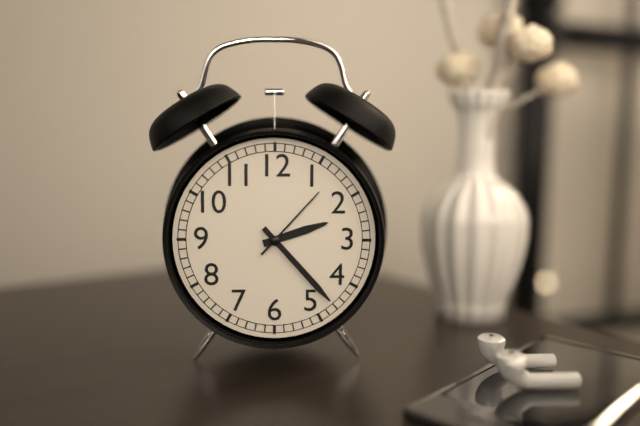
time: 2:23:07
